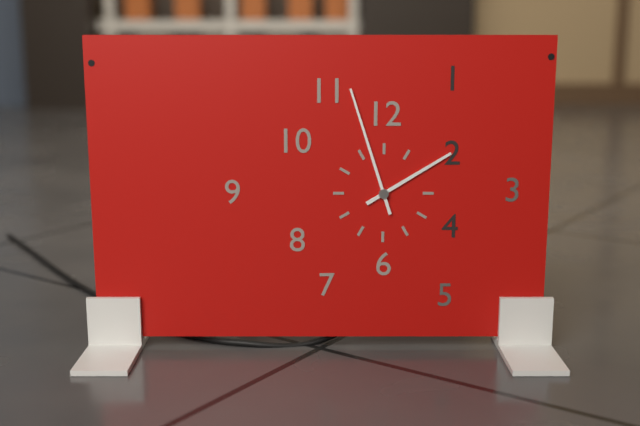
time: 1:57
